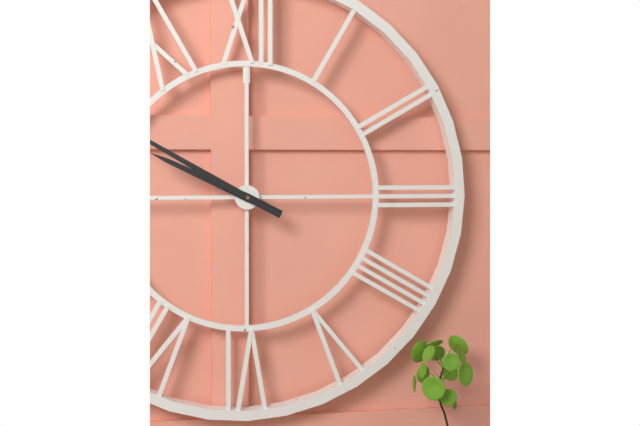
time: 9:50
